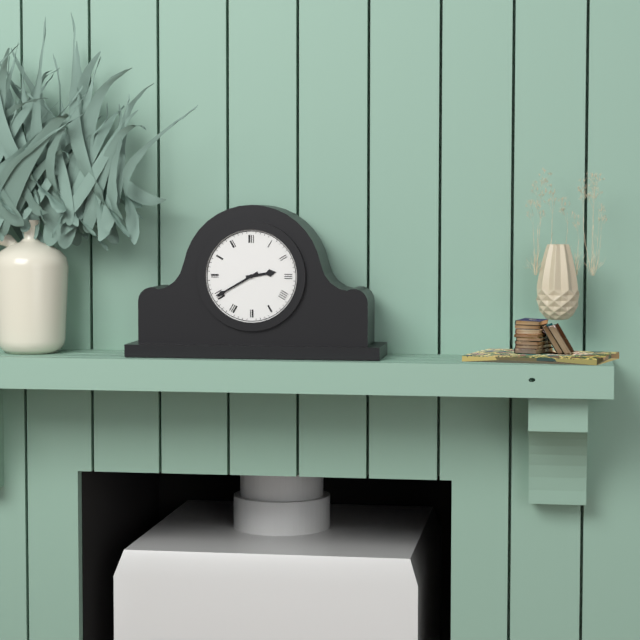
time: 2:40
